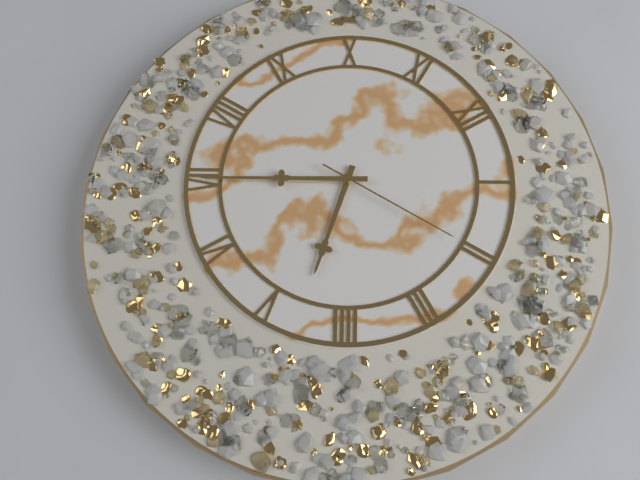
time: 4:35:10
